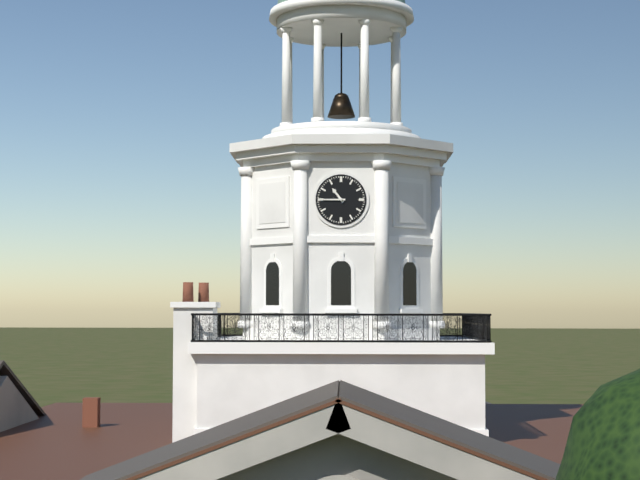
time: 10:45
